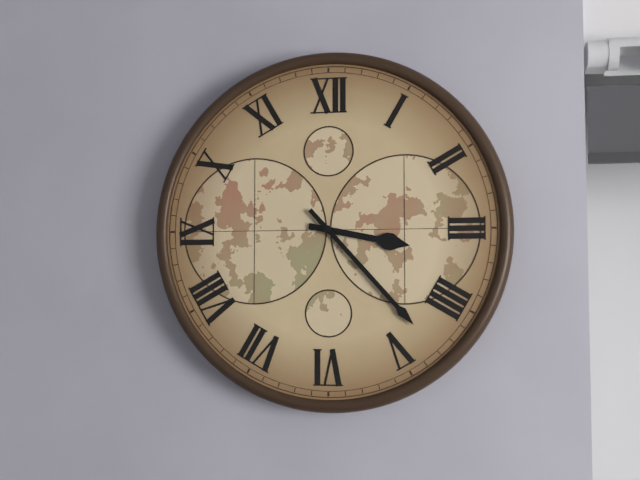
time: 3:23
